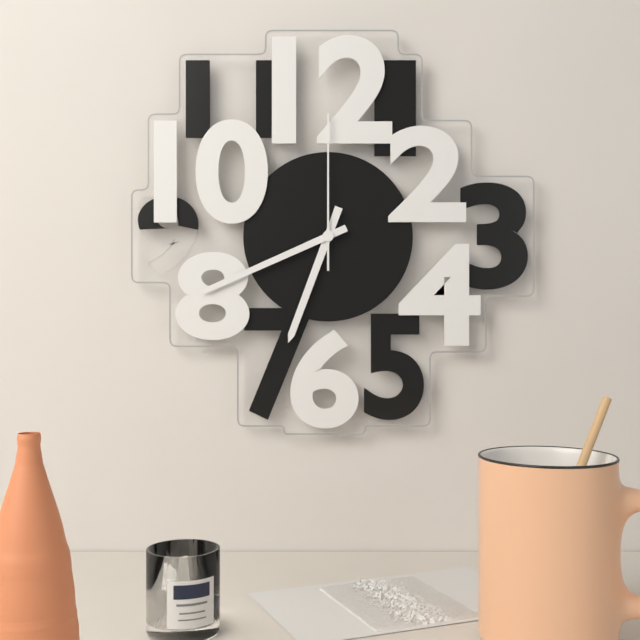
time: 6:41:00
